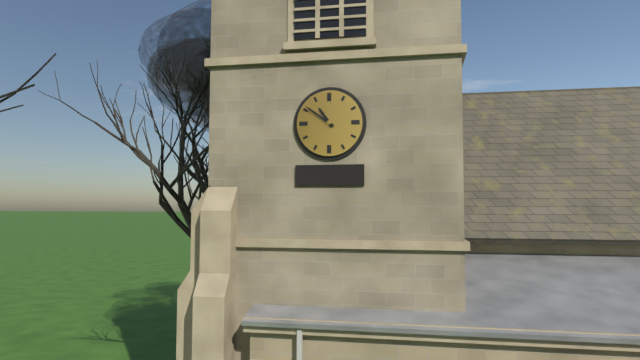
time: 10:51
